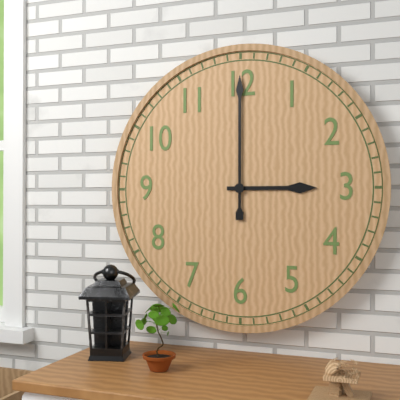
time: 3:00
